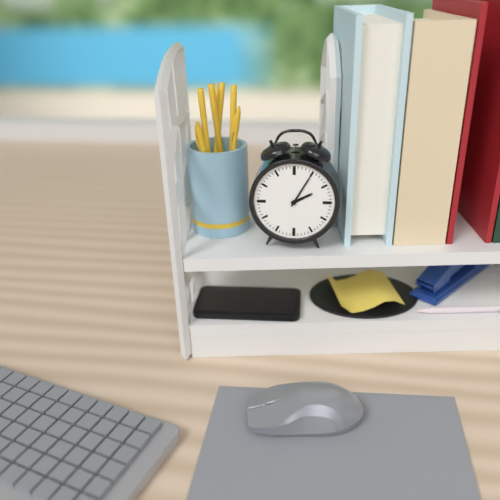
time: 2:05
